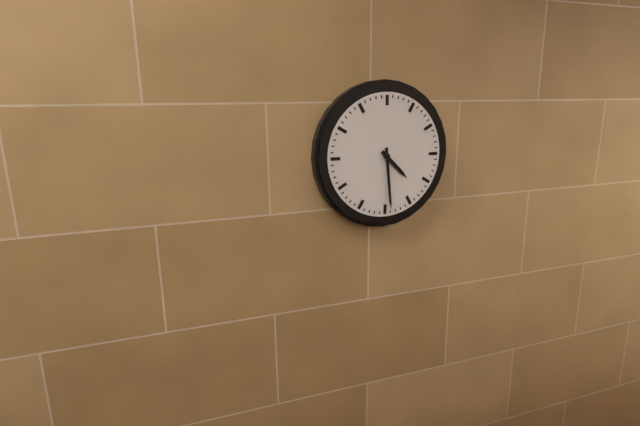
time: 4:29
